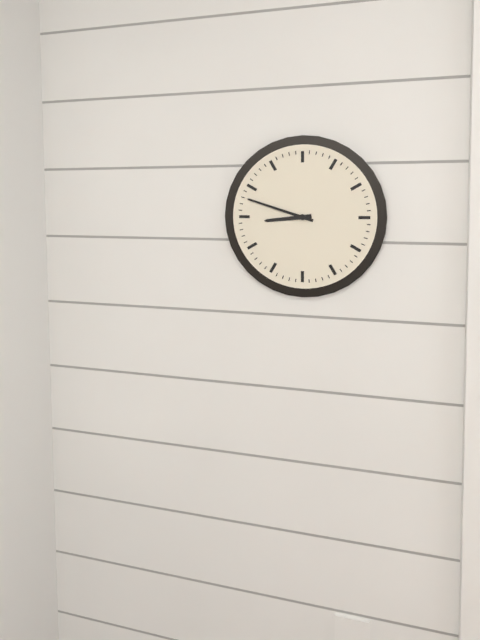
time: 8:48
